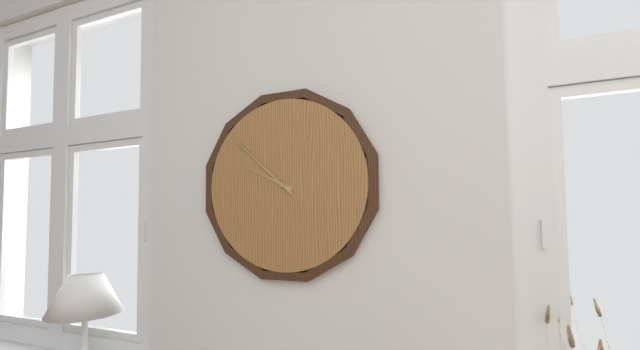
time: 9:52
